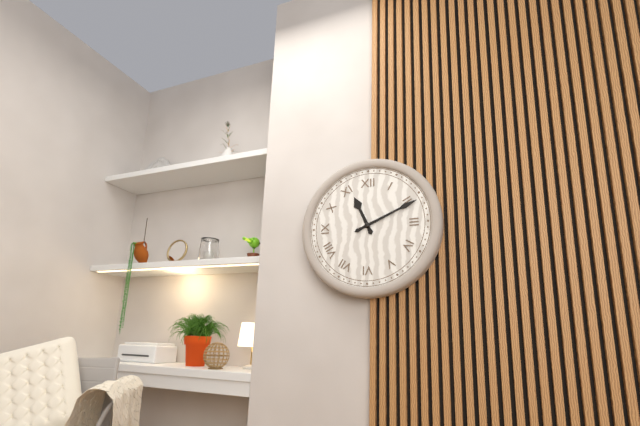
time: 11:11
